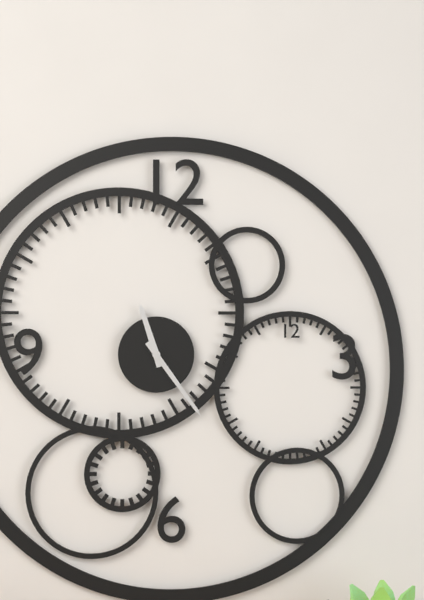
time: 11:24
